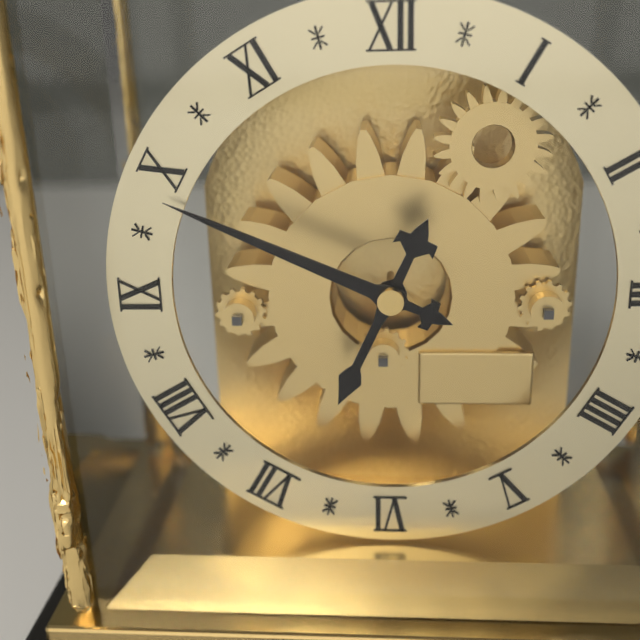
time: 6:49
